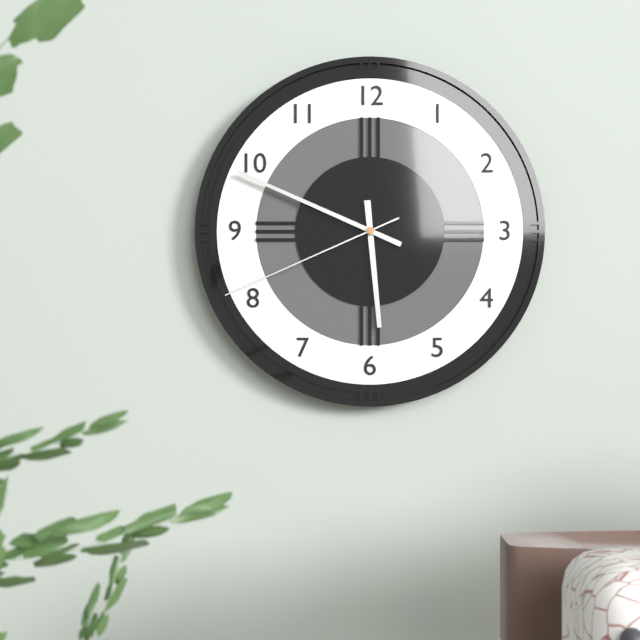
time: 5:49:41
